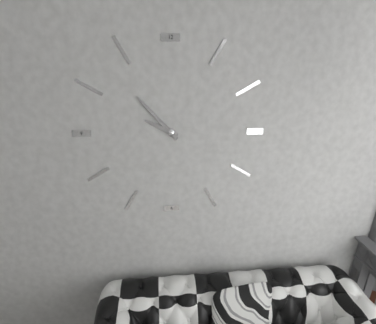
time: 9:53
